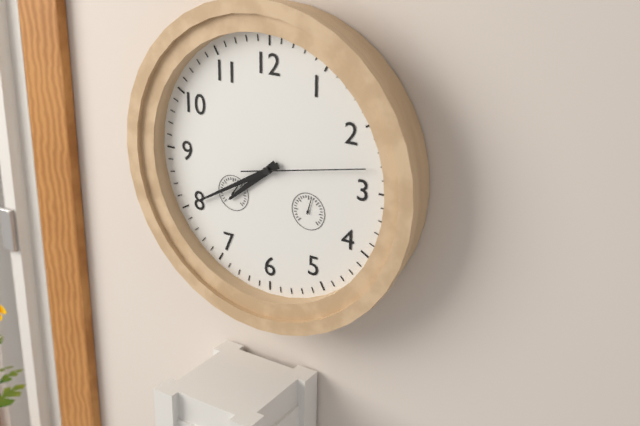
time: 7:40:13
